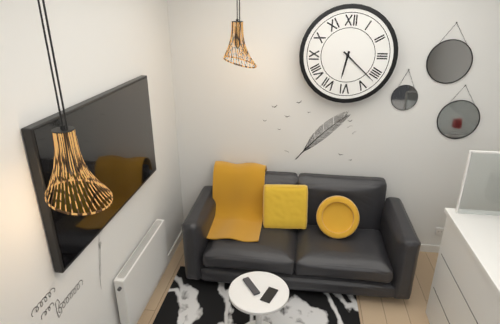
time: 6:22
